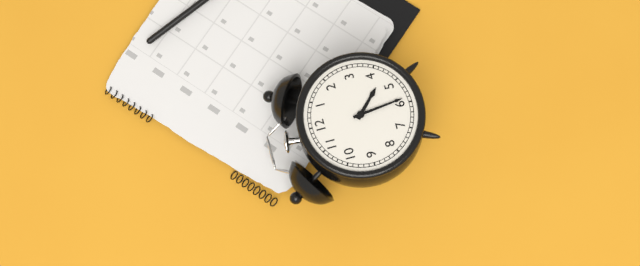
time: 4:29
